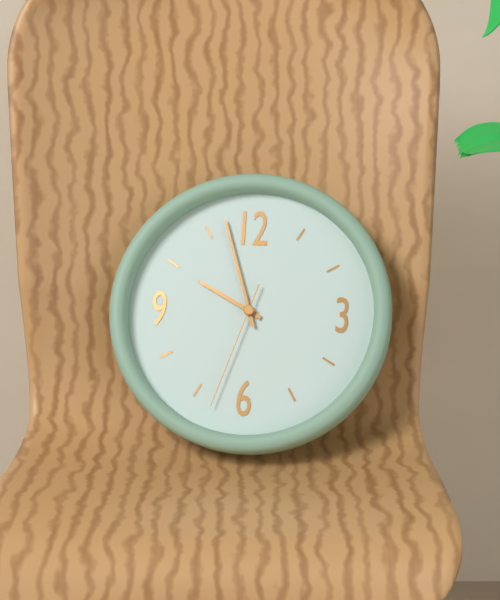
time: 9:57:33
